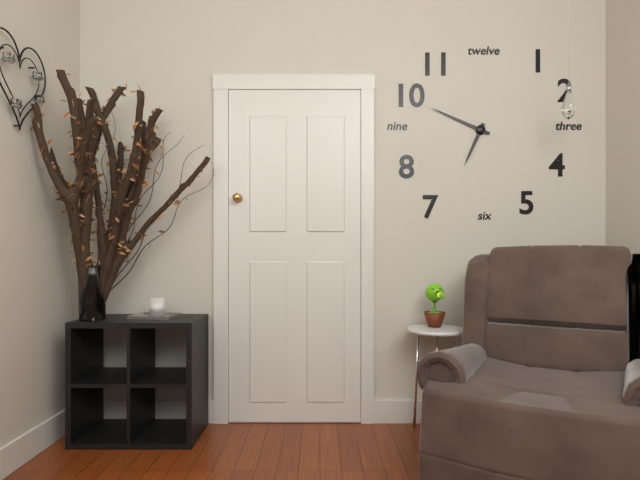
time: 6:49
